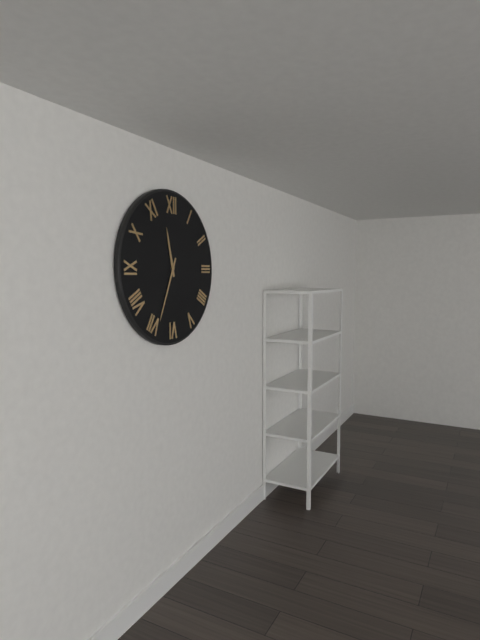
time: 11:34
